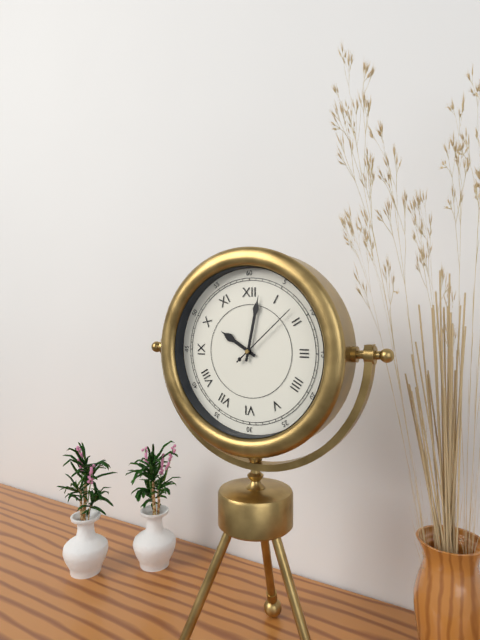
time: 10:02:08
